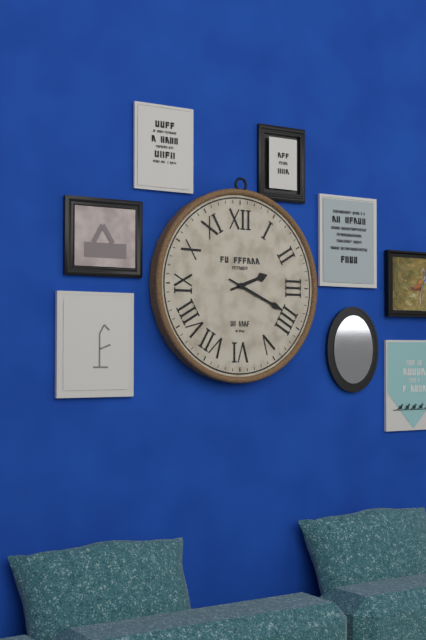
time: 2:19
